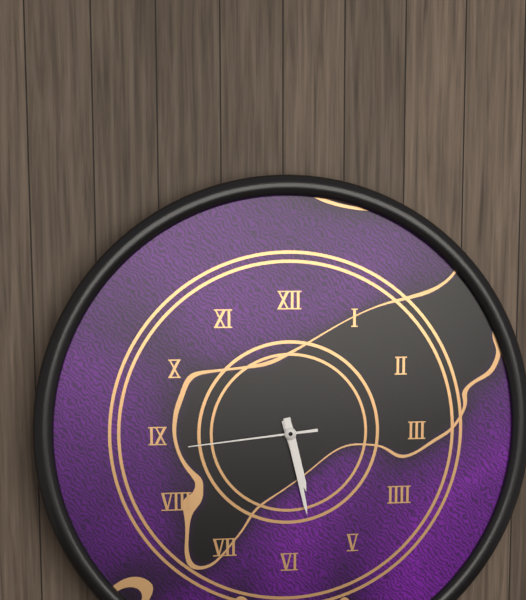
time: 5:28:44
